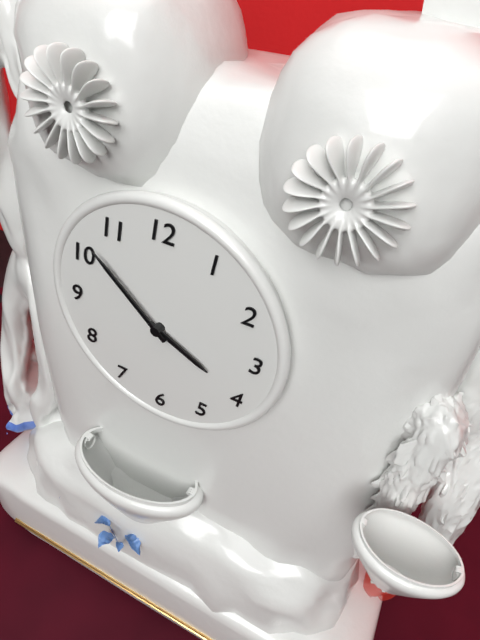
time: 3:52
